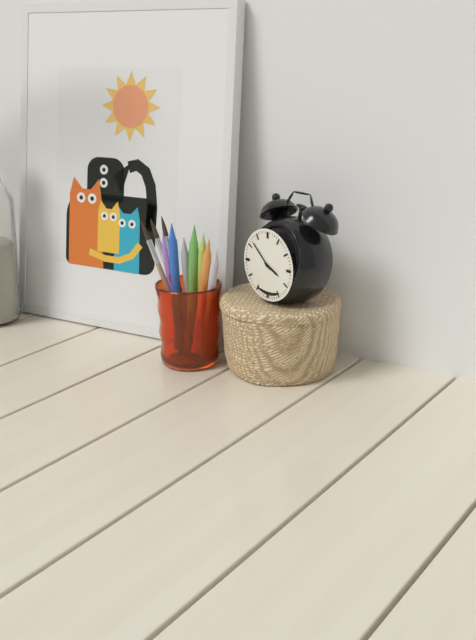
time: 3:52
